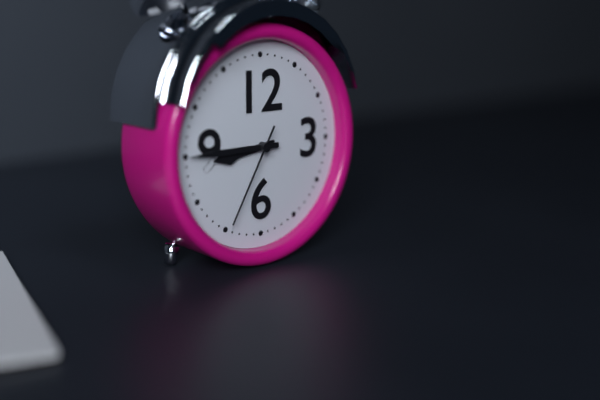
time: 8:45:35
